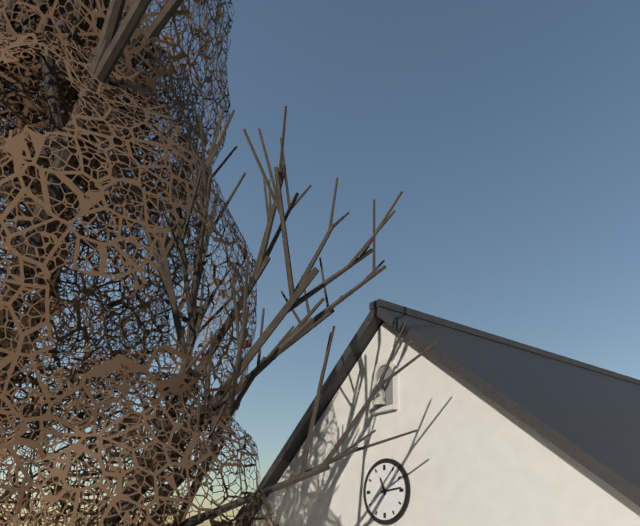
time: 11:14
